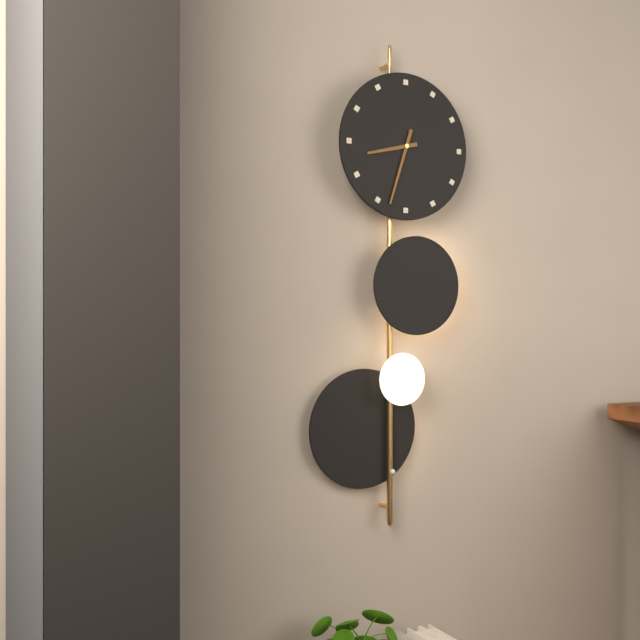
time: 8:33
